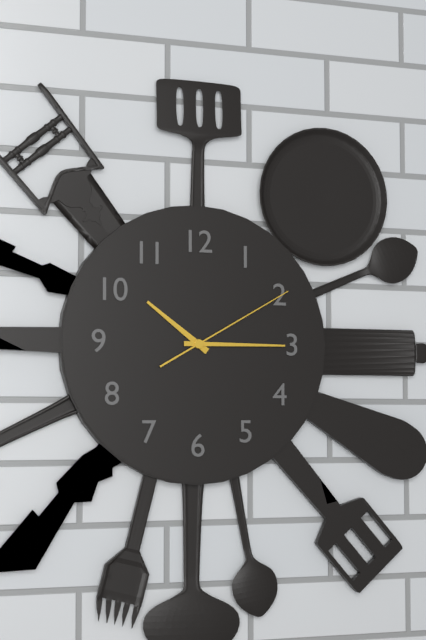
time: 10:15:10
